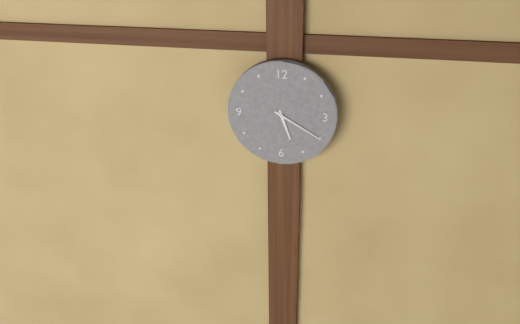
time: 5:20
